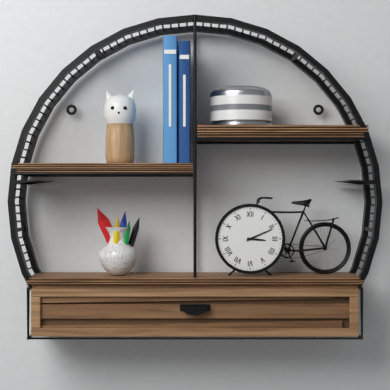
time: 3:11
